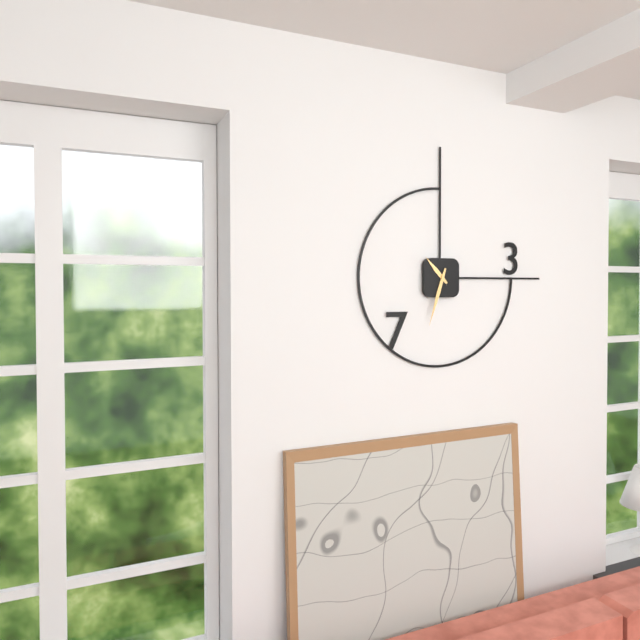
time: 10:33
